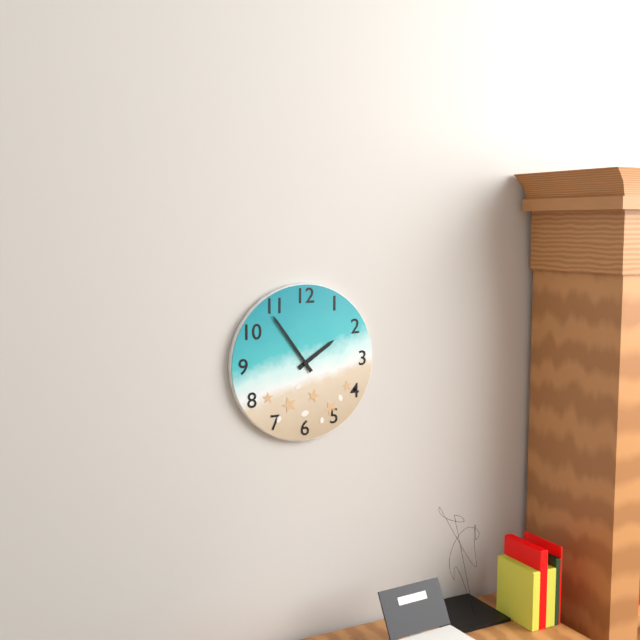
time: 1:54
